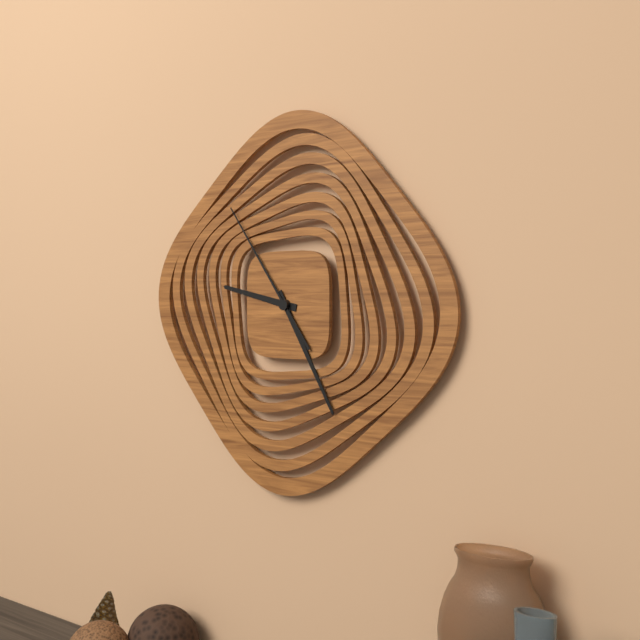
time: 9:25:54
